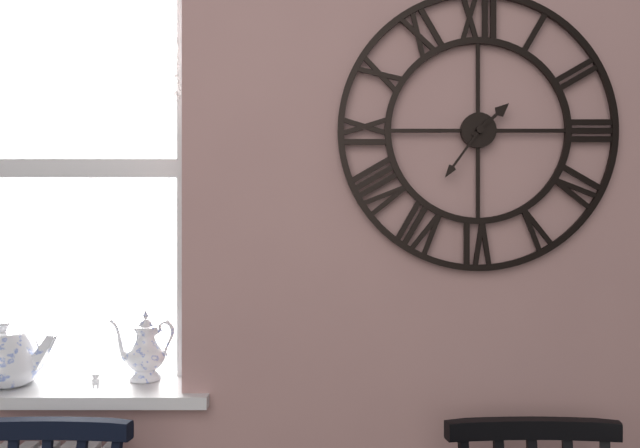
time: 1:36
